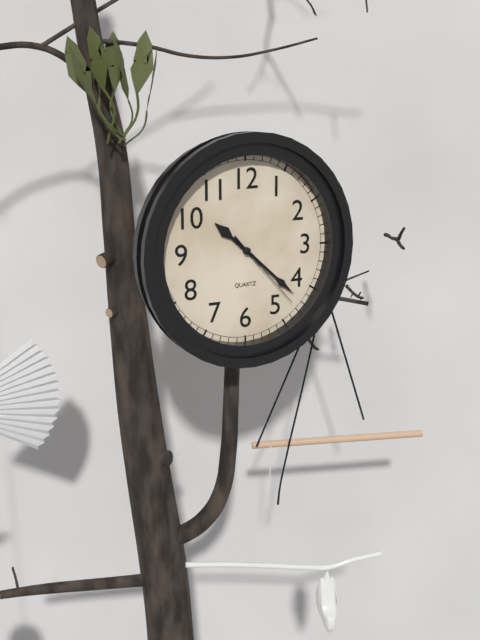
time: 10:22:23
